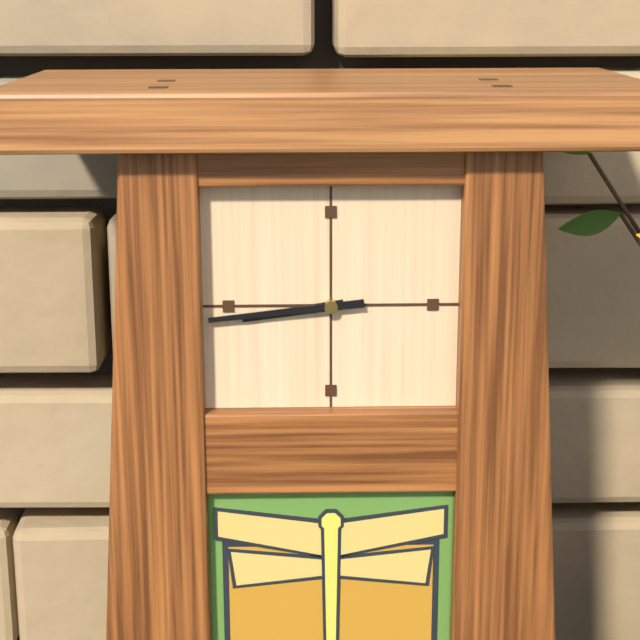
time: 8:44
